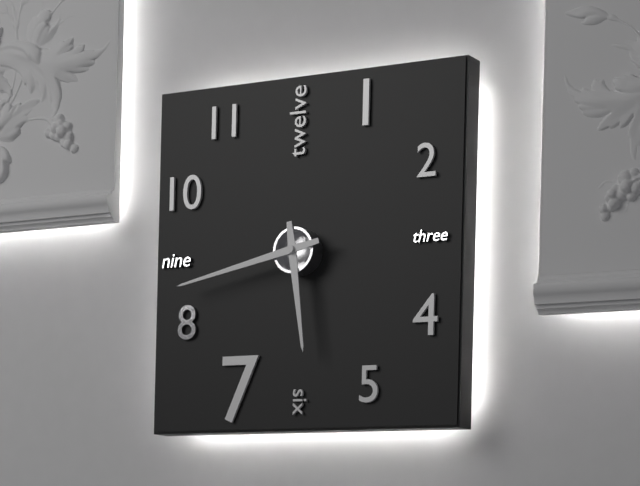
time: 5:43
